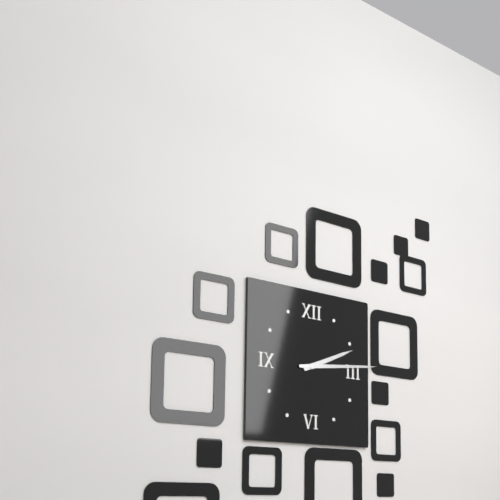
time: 2:14
